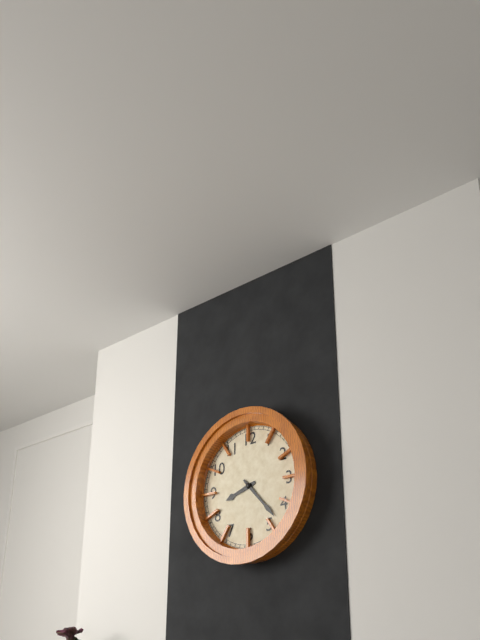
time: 8:23
